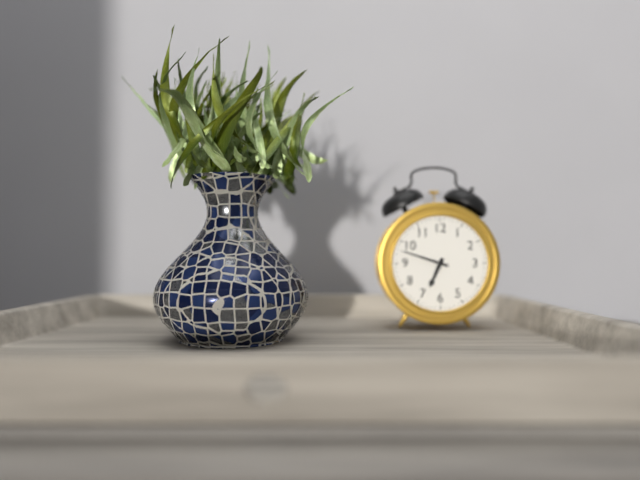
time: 6:48
